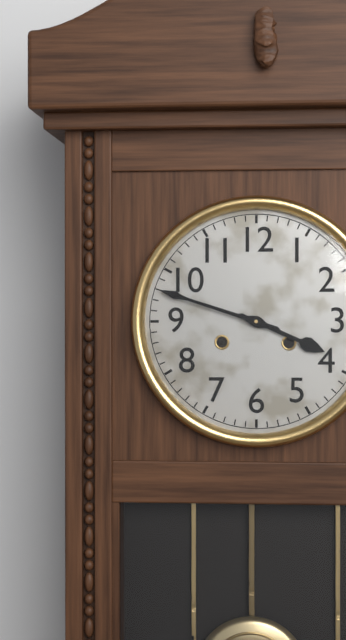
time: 3:48
